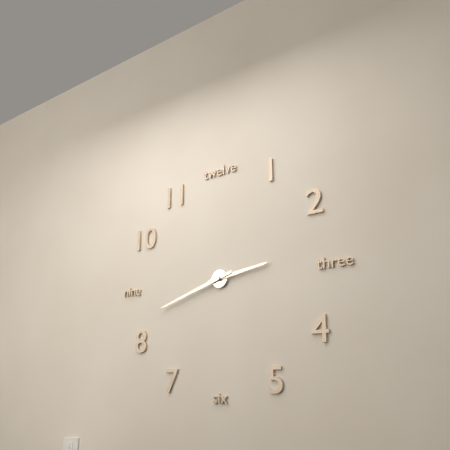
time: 2:42
